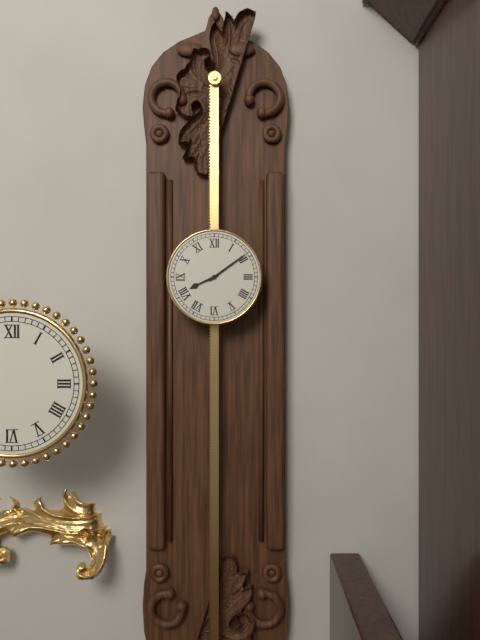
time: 8:09
